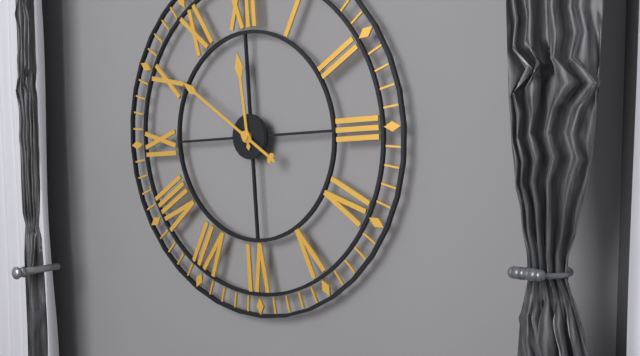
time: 11:51
